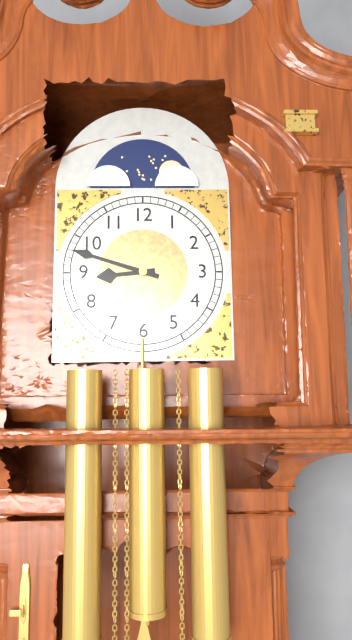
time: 8:48
